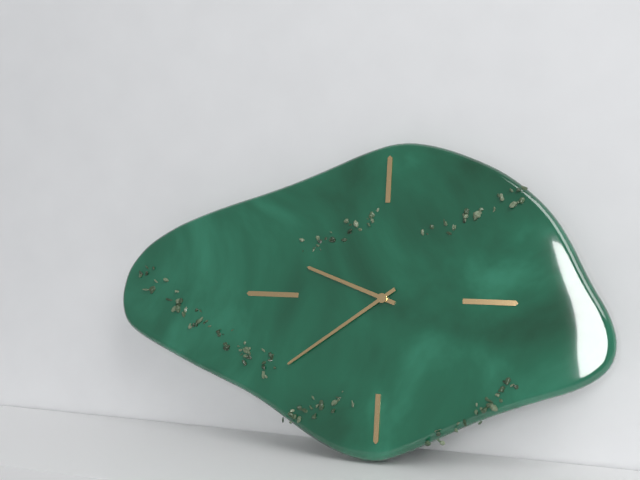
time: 9:39
